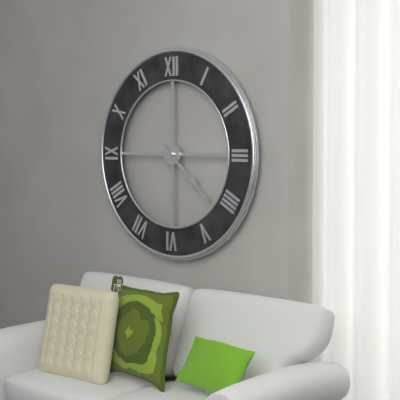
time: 4:22
